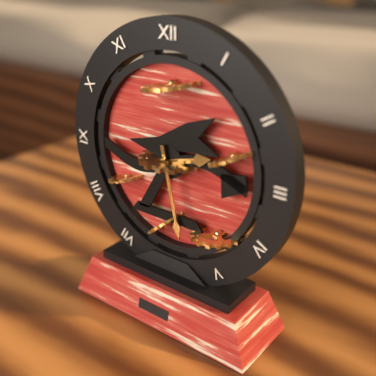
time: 2:28
